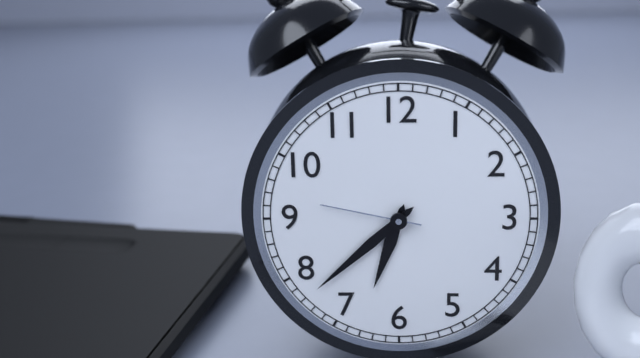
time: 6:38:47
